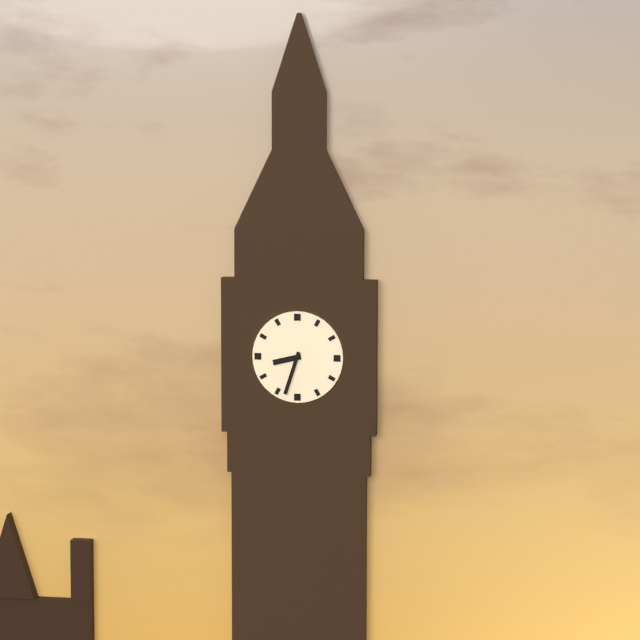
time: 8:33
